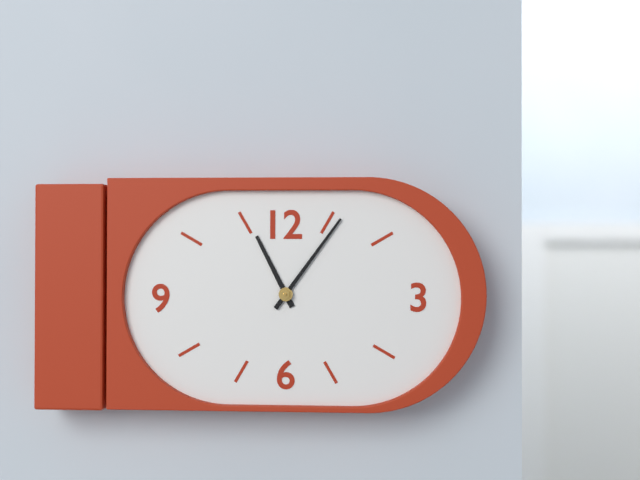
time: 11:06
